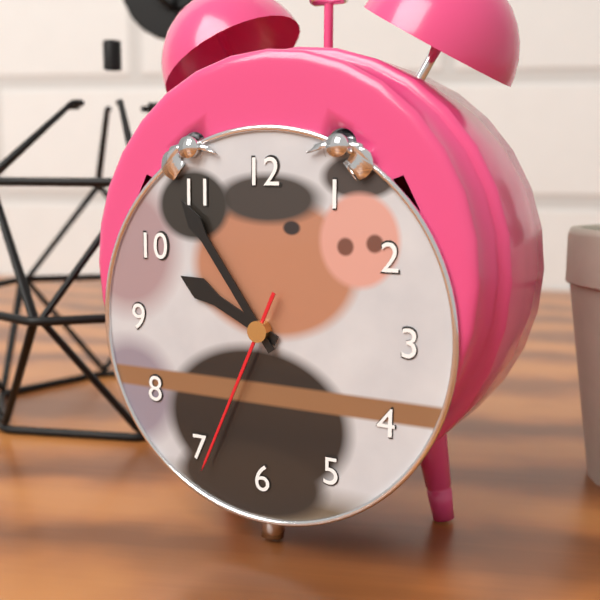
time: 9:54:34
